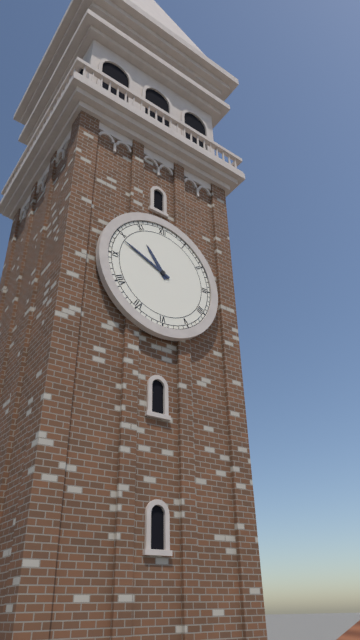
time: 10:49
